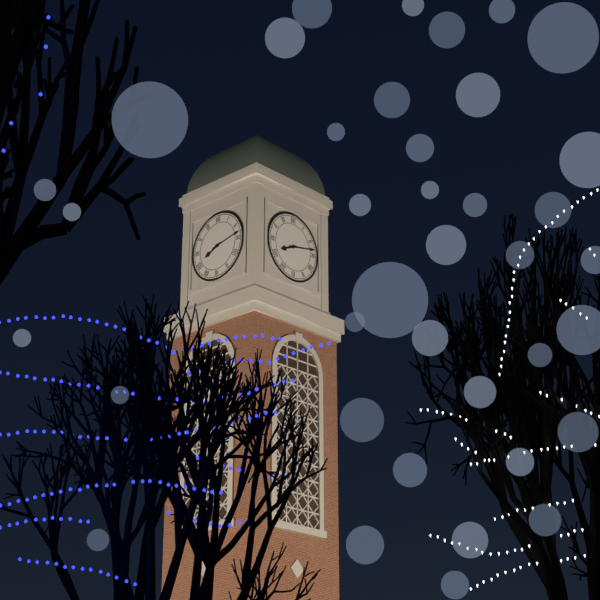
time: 8:13
